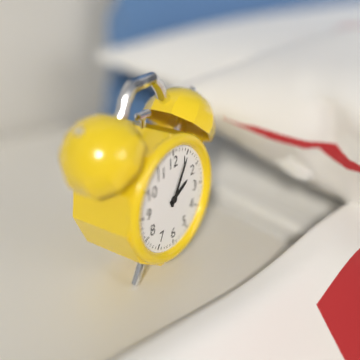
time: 2:05
